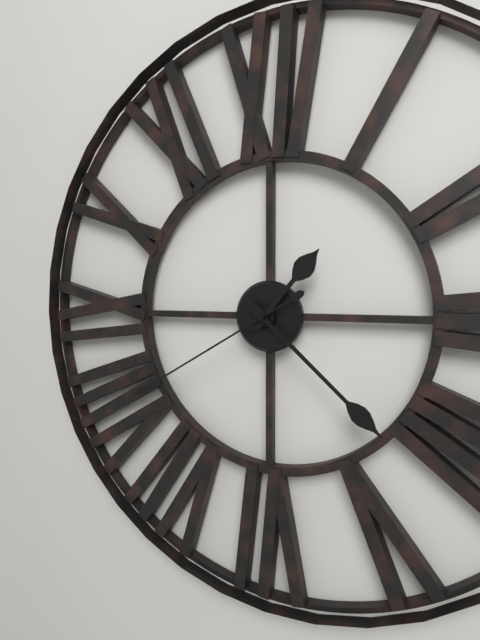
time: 1:22:40
